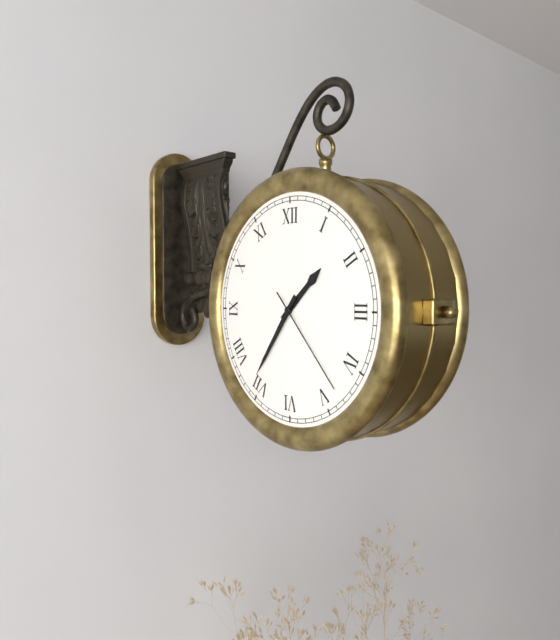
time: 1:36:23
